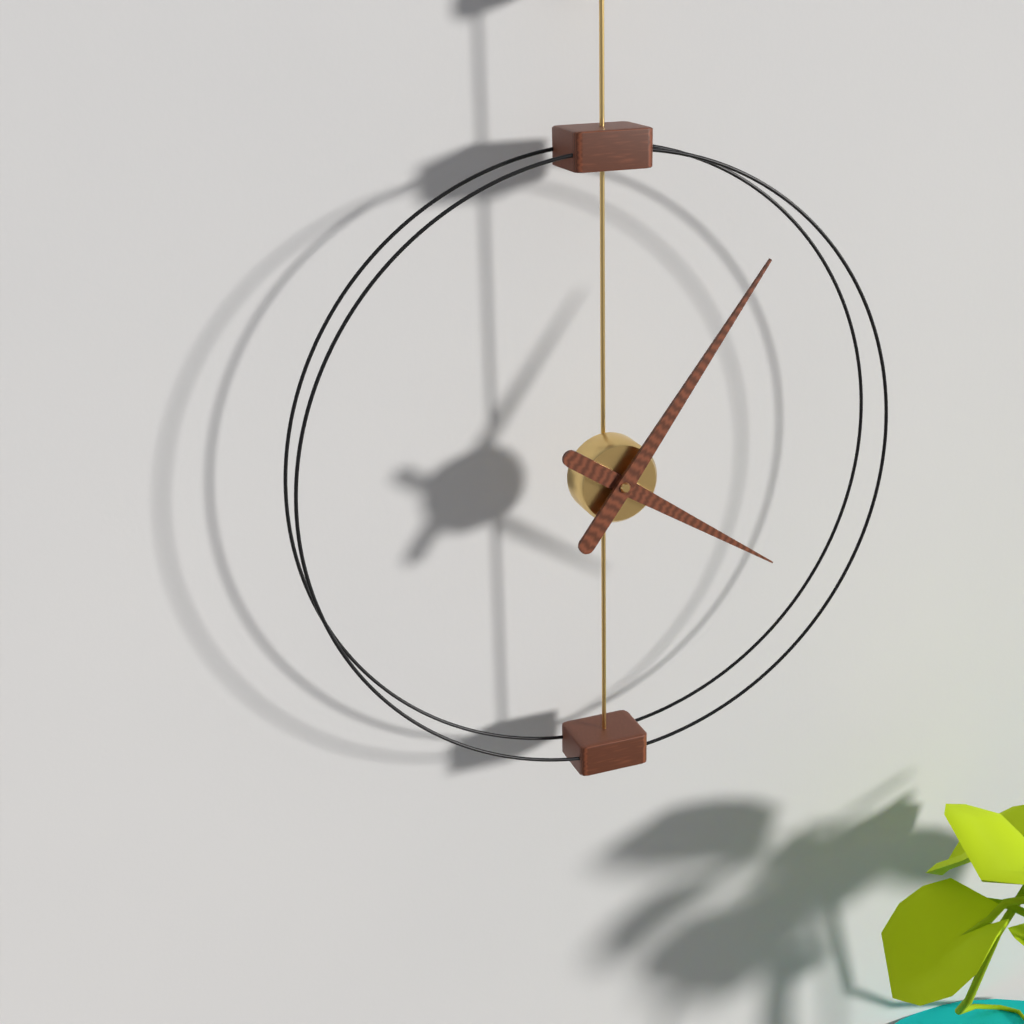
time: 4:06
